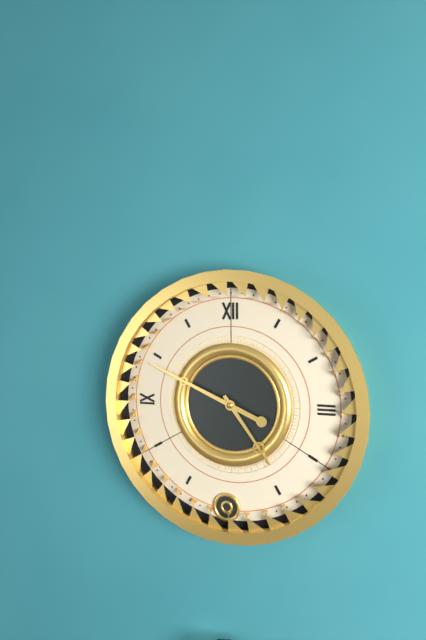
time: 4:49
